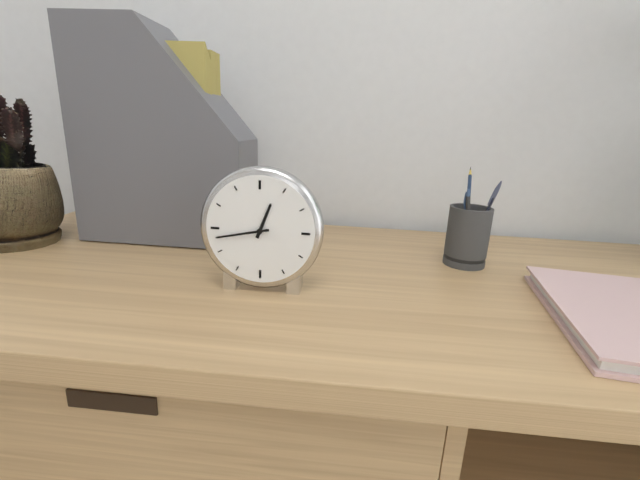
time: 12:43
